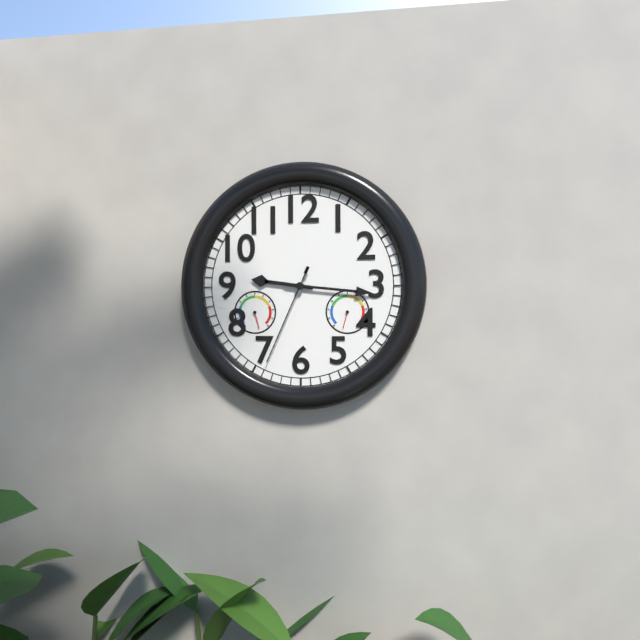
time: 9:16:34
